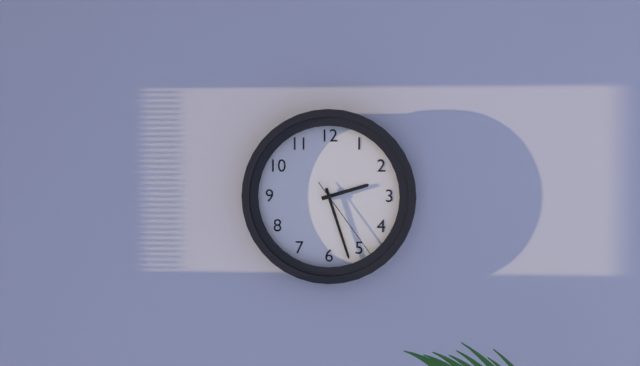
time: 2:27:24
